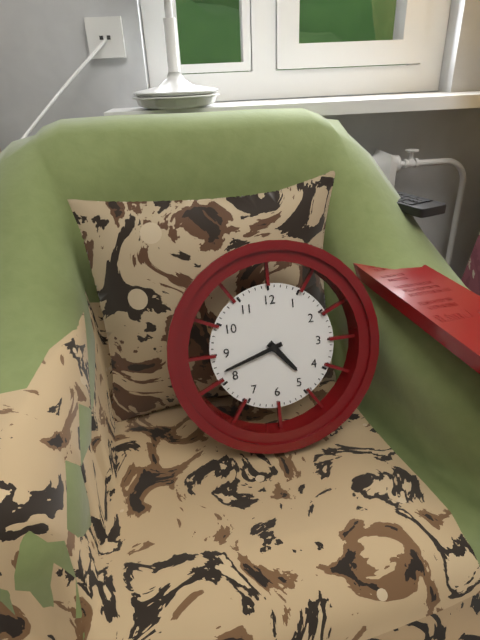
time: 4:42
